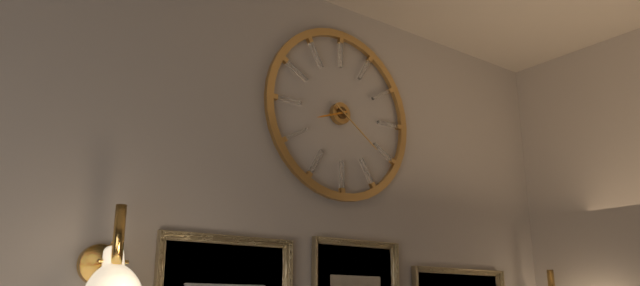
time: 8:21
